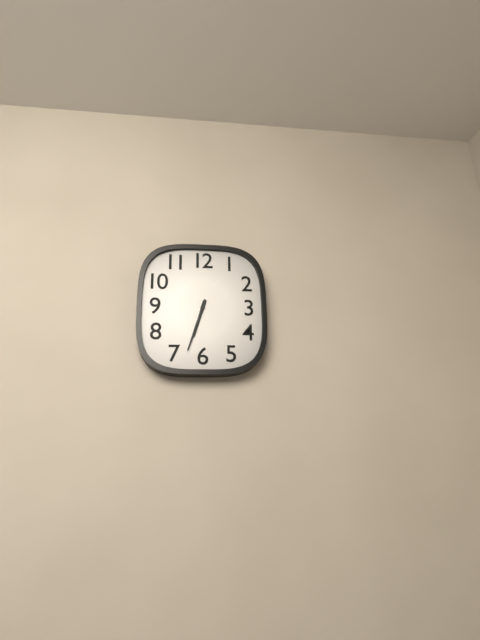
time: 6:33
